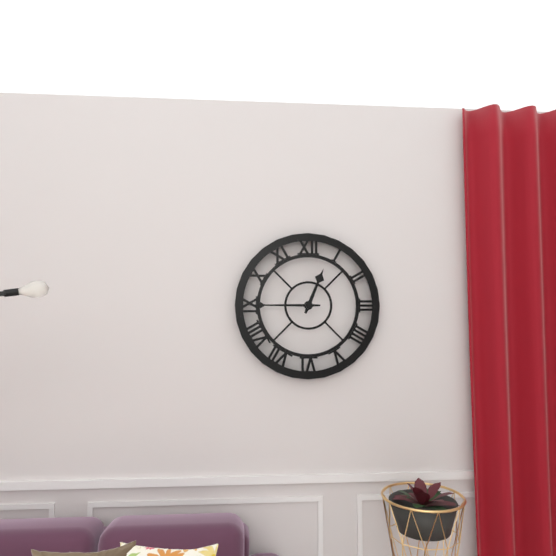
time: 12:45
